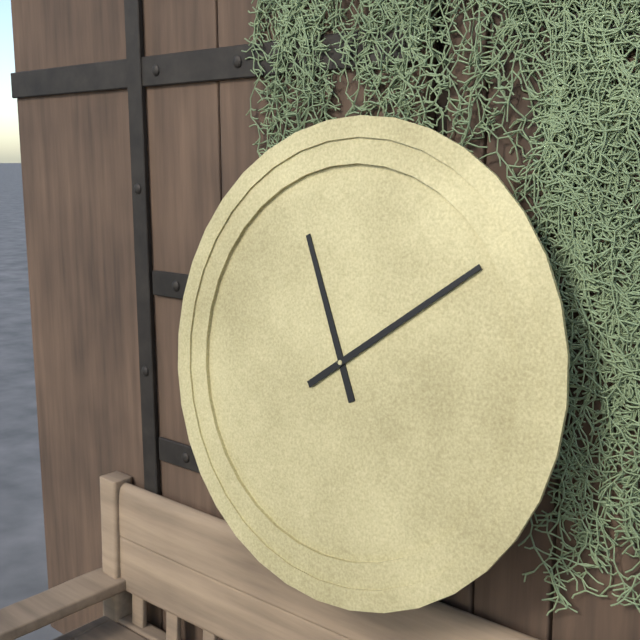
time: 11:09
